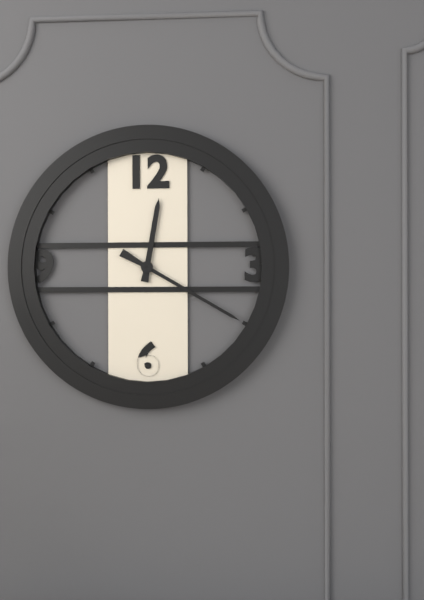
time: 12:20
